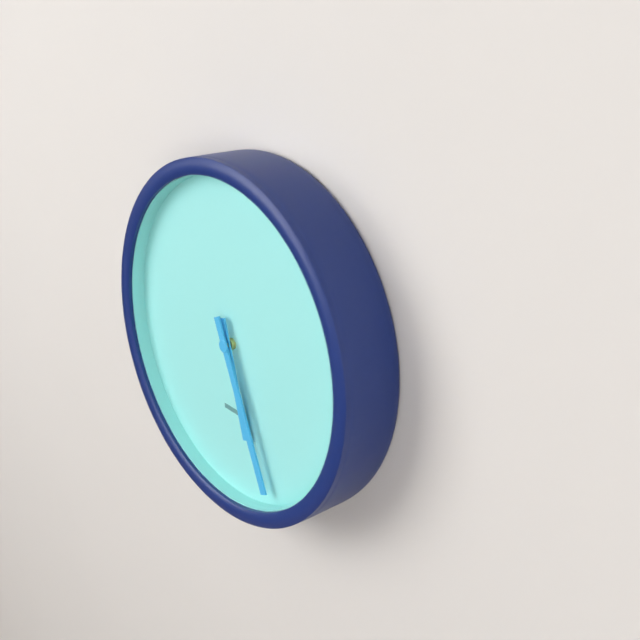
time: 5:26
